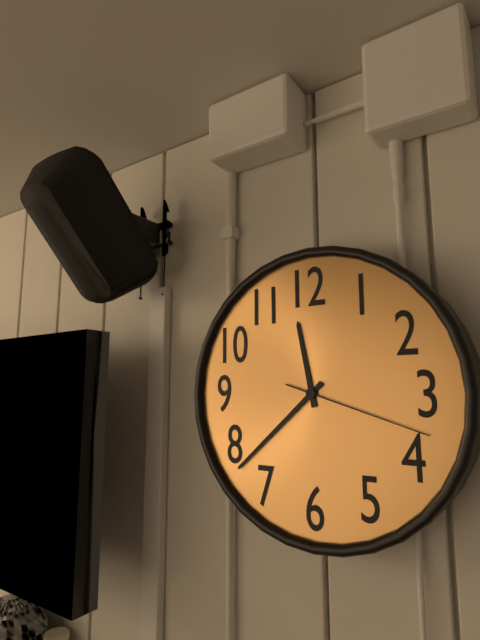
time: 11:38:18
